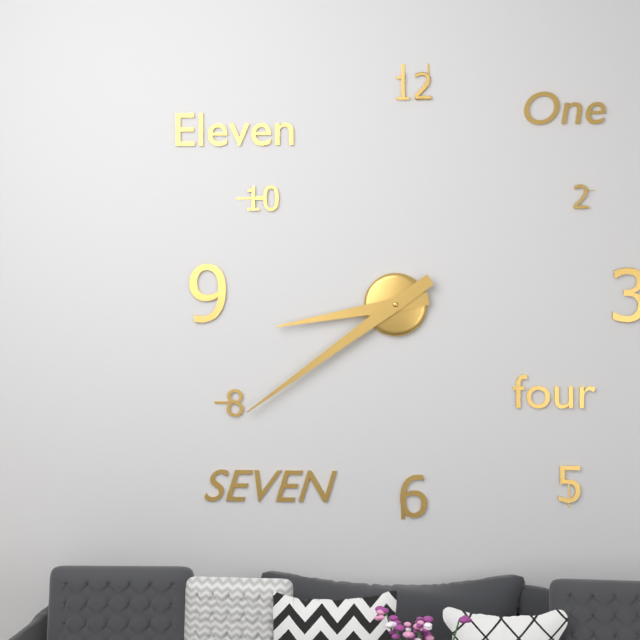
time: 8:39
